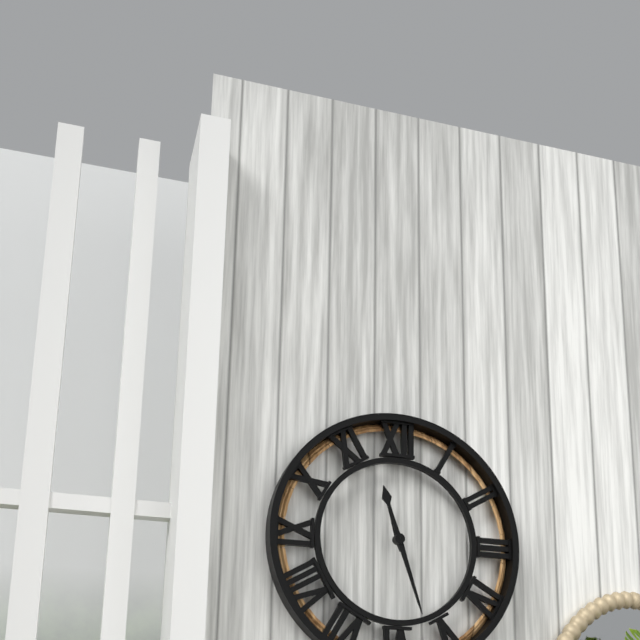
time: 11:27
